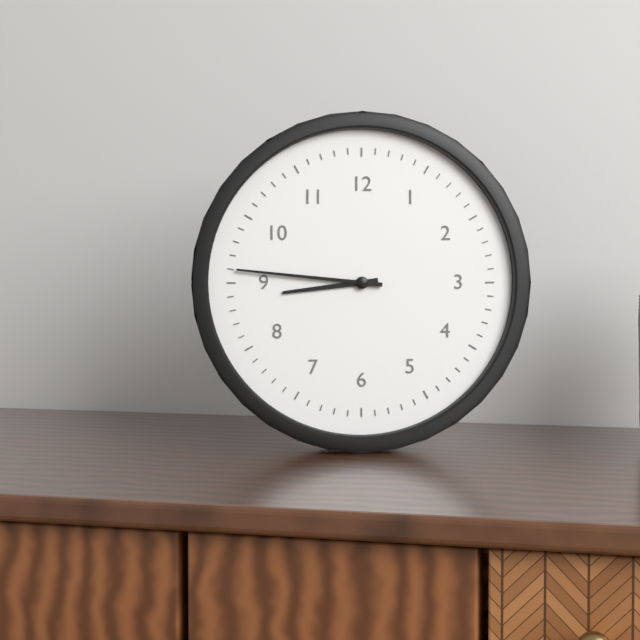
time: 8:46
